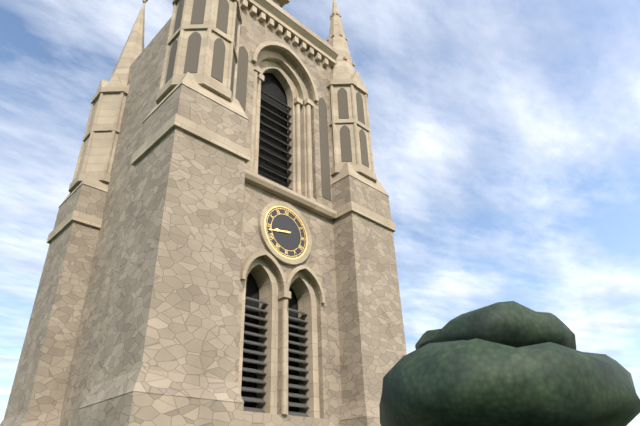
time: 8:43
